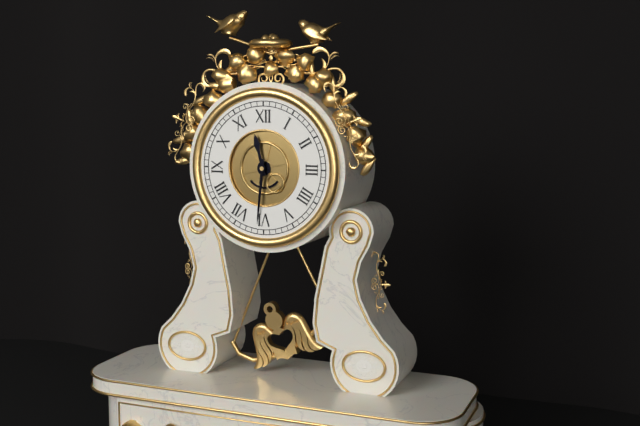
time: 11:31
